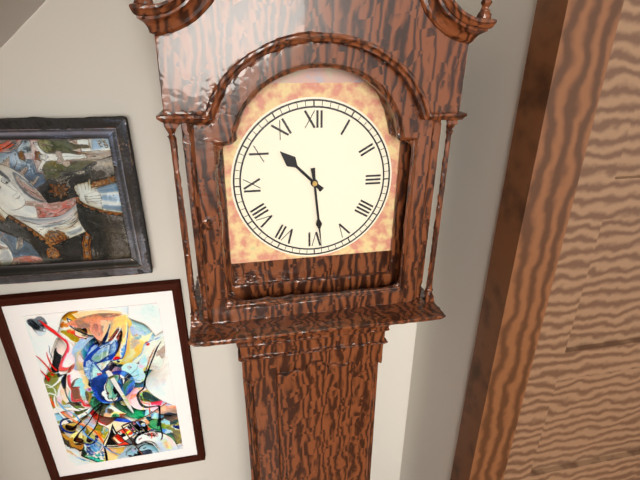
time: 10:29
